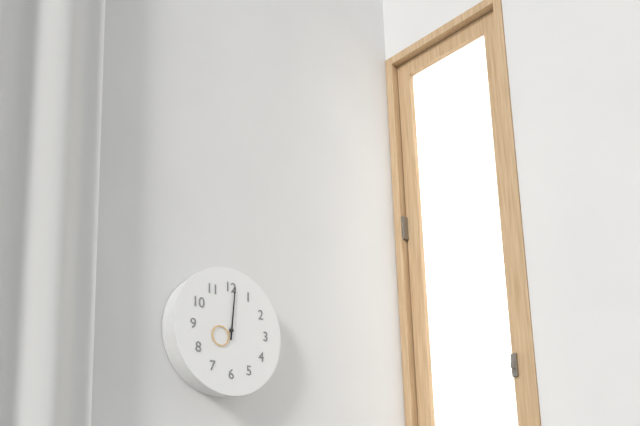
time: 8:01
